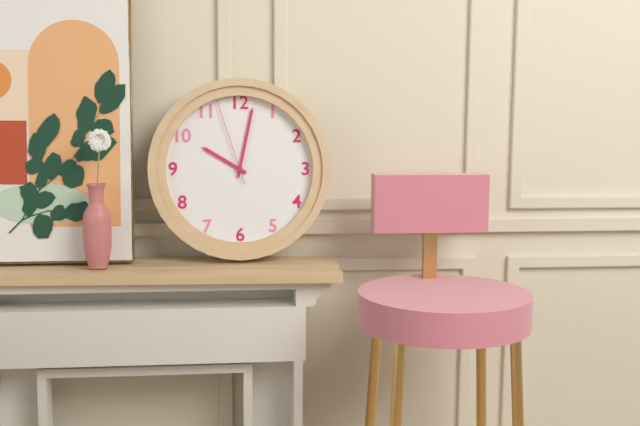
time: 10:02:57
